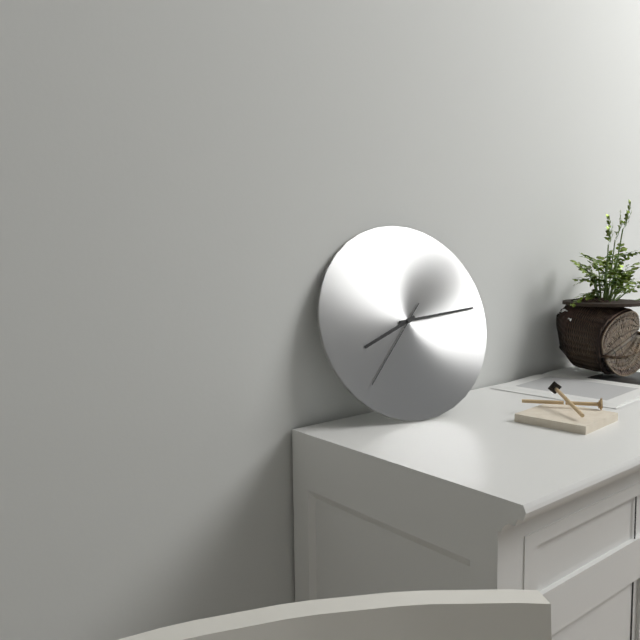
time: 8:14:37
